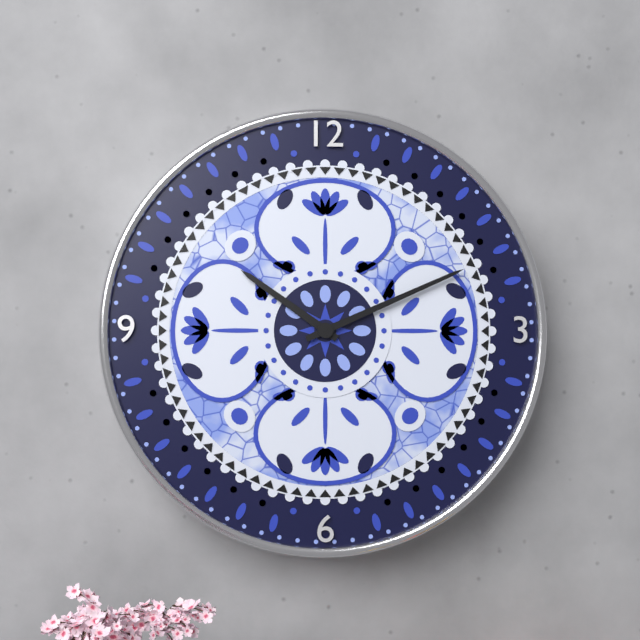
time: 10:11
